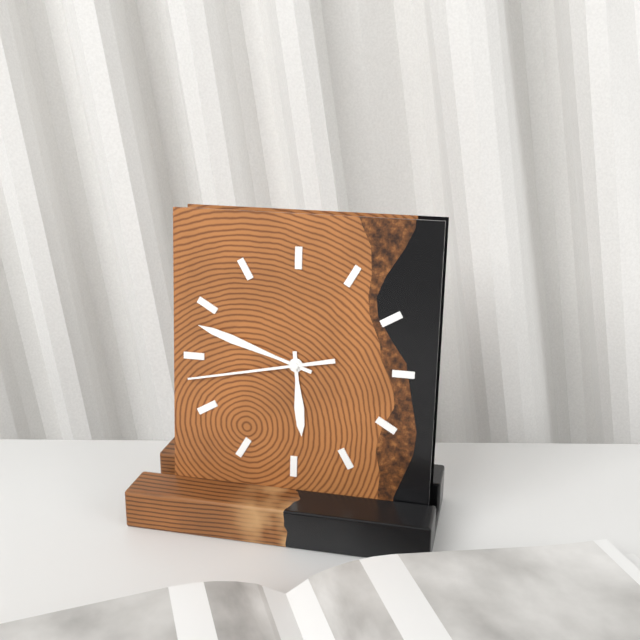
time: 5:48:43
